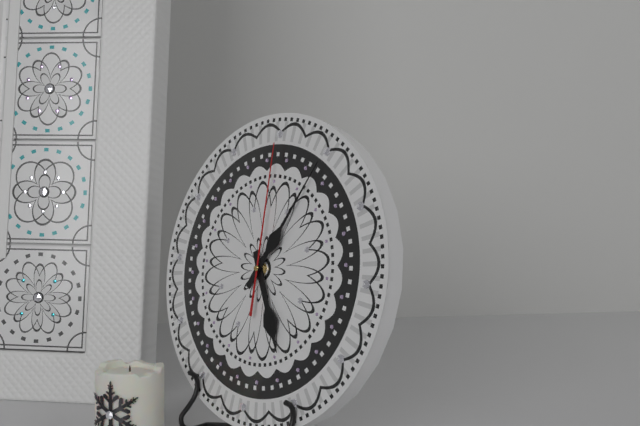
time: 5:05:00
